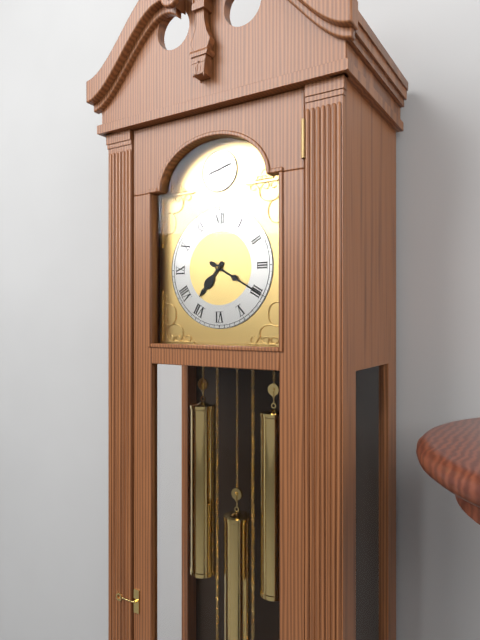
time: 7:20
